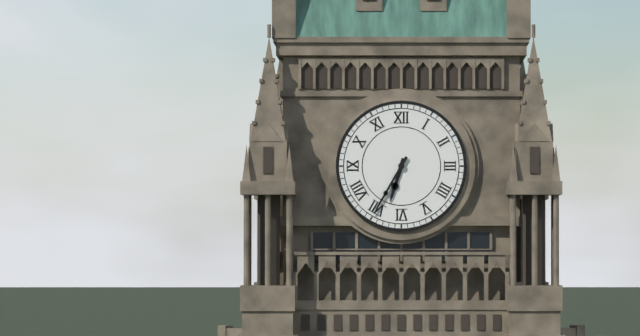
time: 6:35
